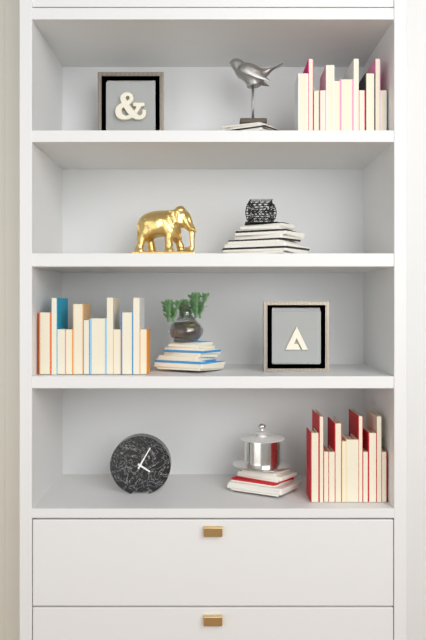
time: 4:05
